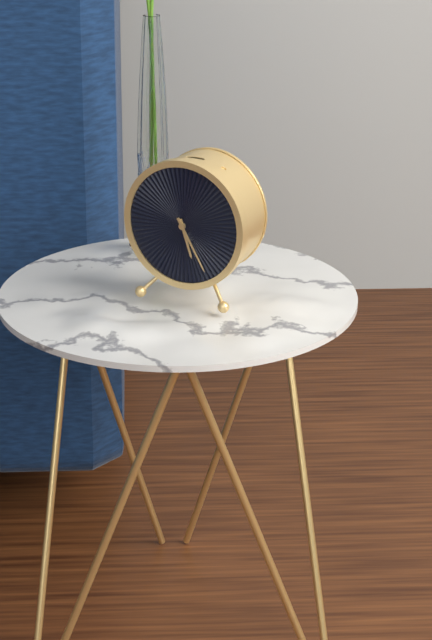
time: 5:25
